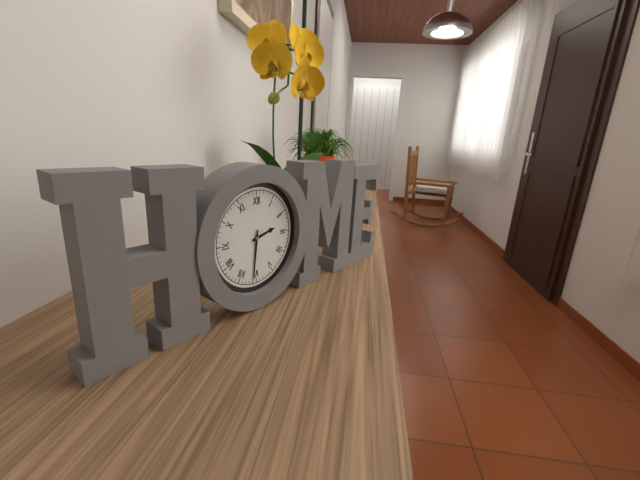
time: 2:31
